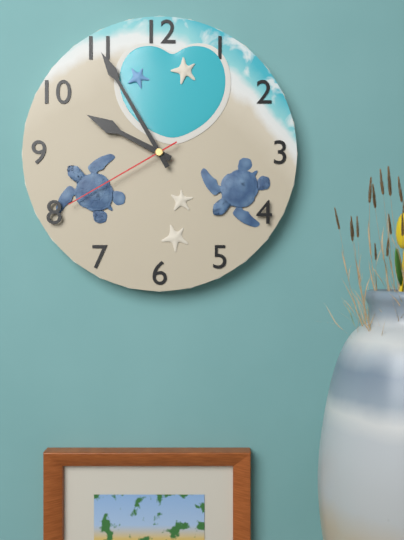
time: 9:55:40
